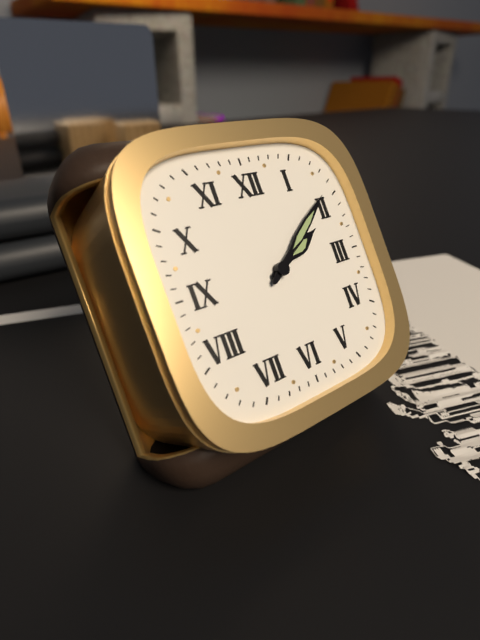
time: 2:09
